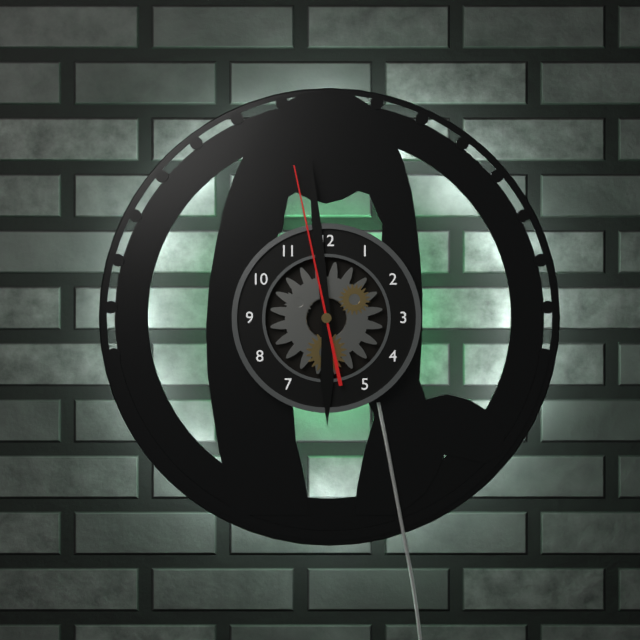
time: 5:59:58
